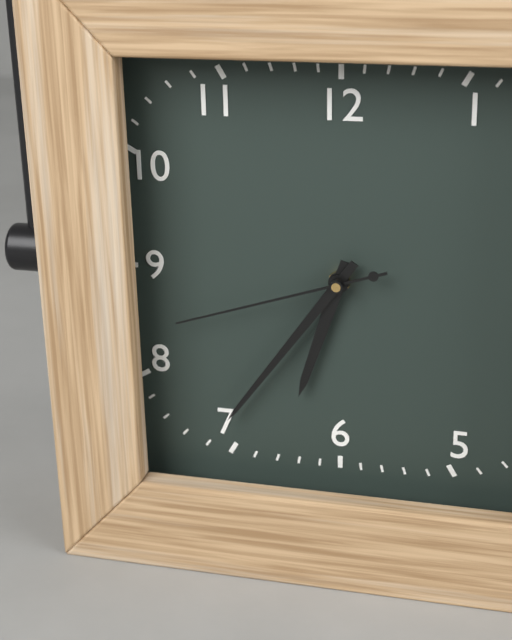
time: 6:36:42
